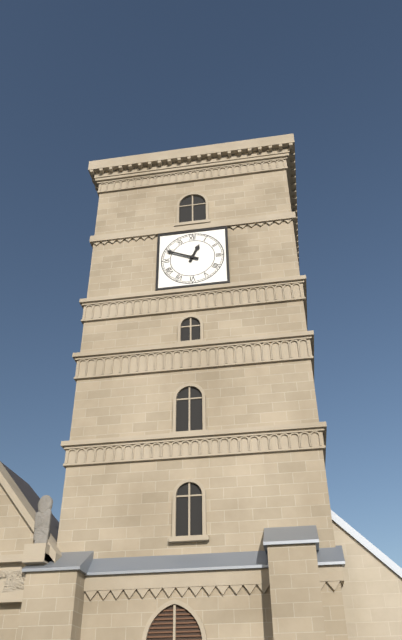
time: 12:49
